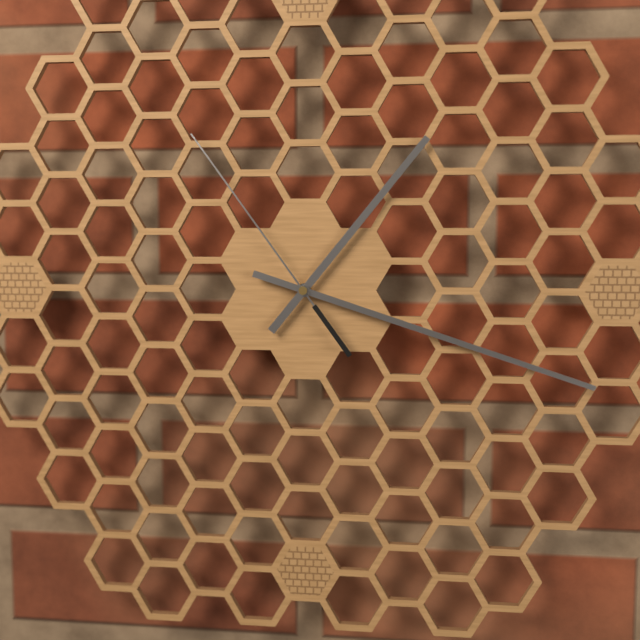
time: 1:18:54
